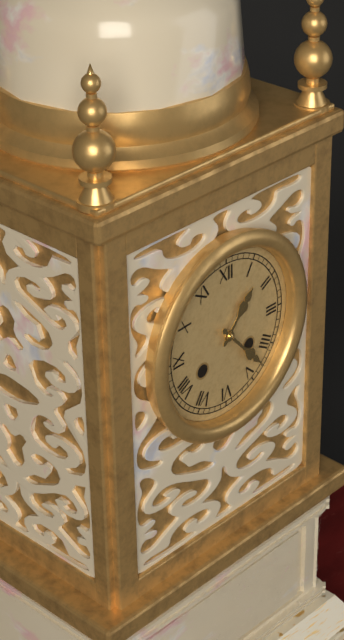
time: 1:23
